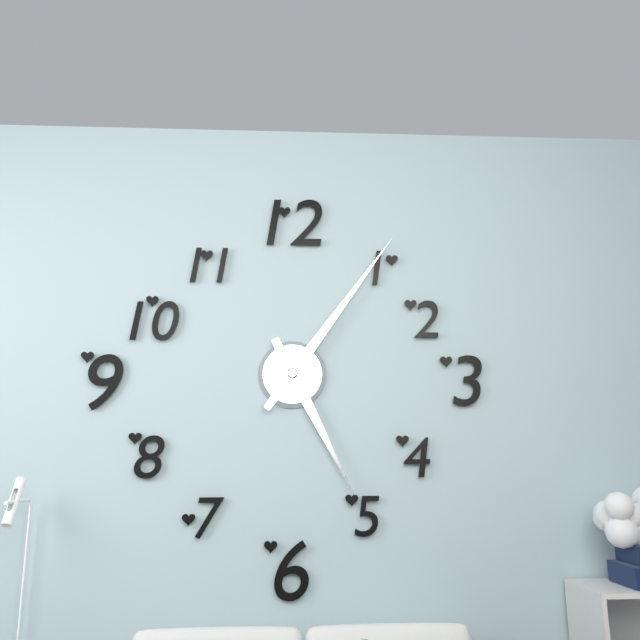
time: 5:06
